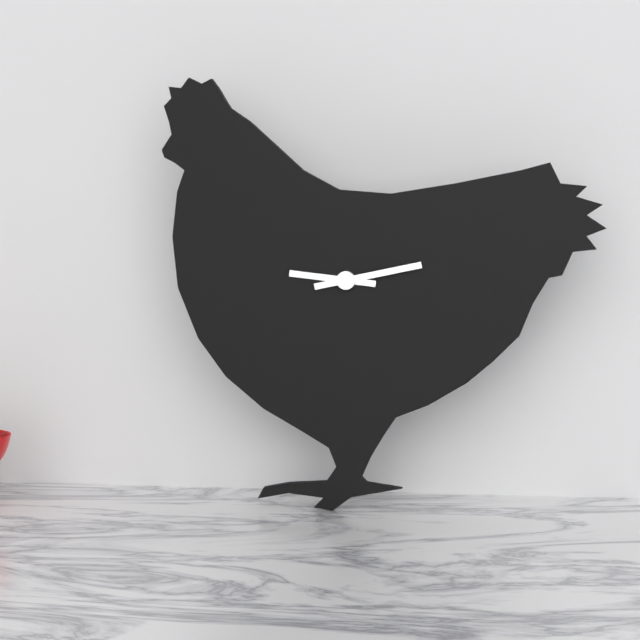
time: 9:13
